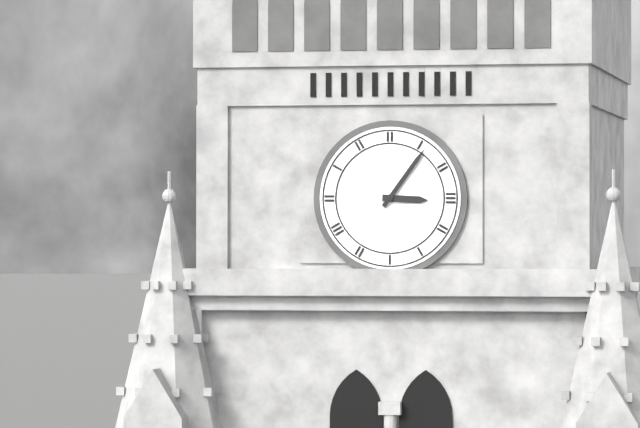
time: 3:06
